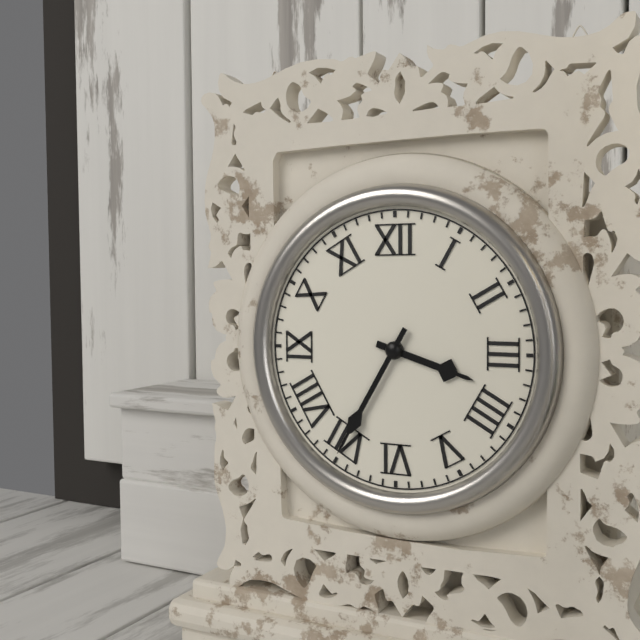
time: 3:35
